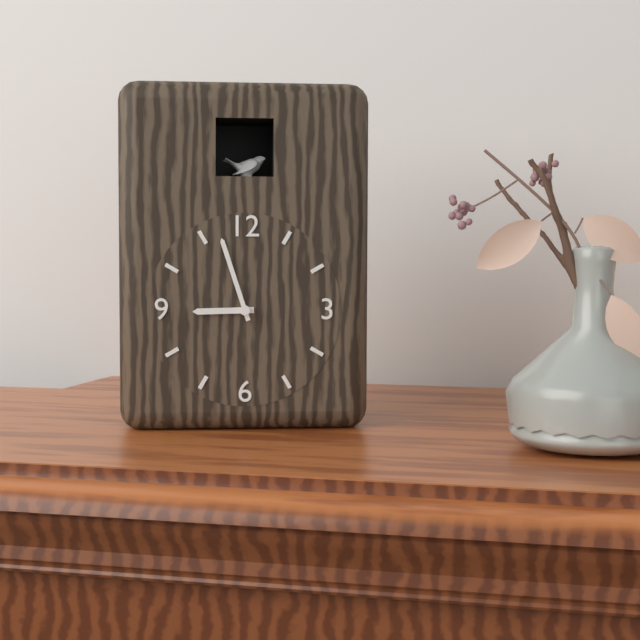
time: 8:57
